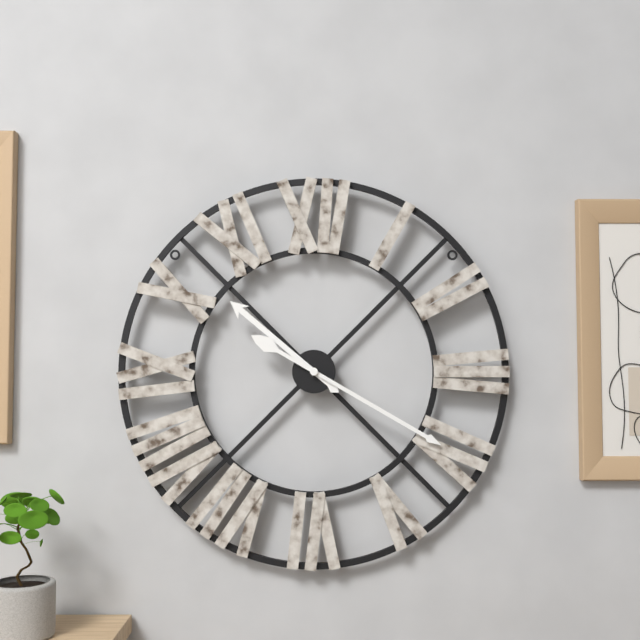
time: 10:20
